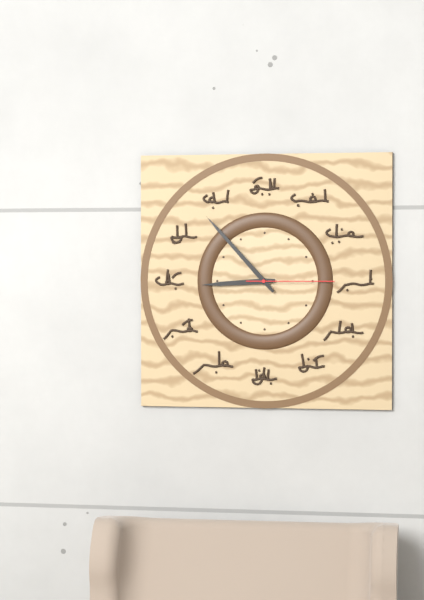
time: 8:53:15
